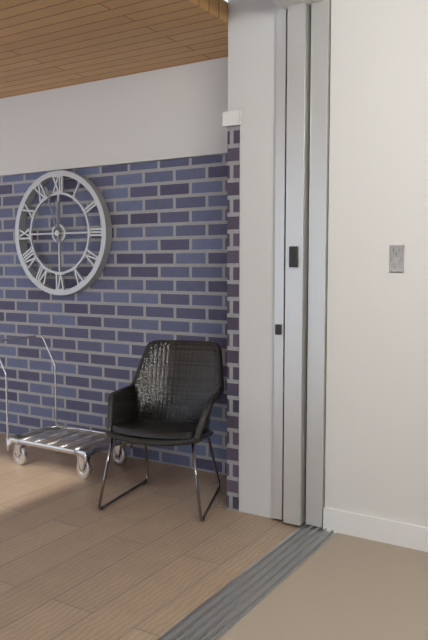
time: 11:57
